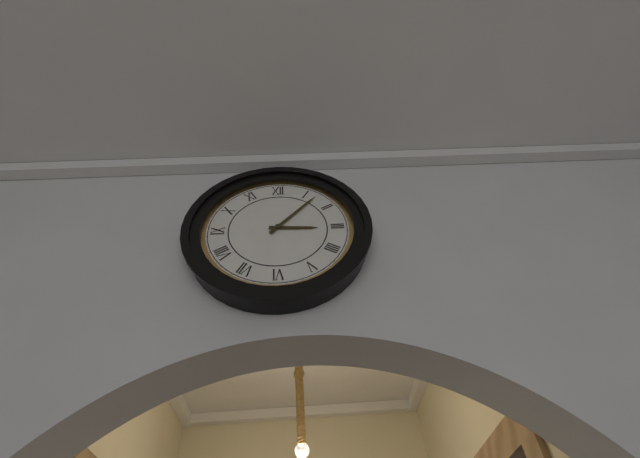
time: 3:07
